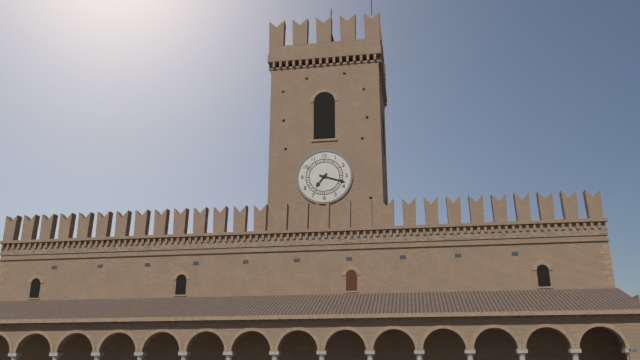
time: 7:18
